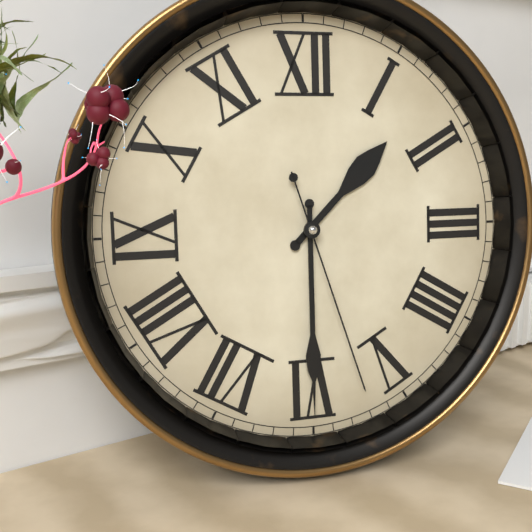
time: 1:30:27
